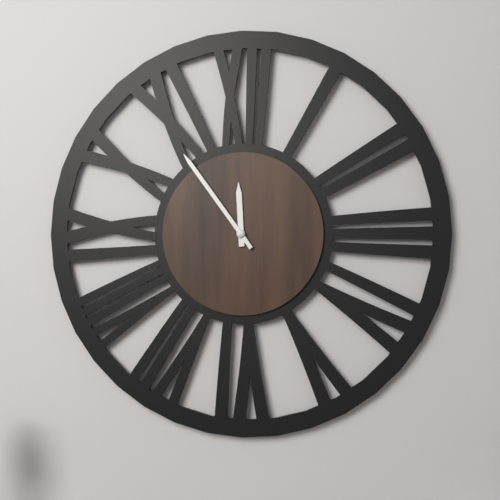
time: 11:54
